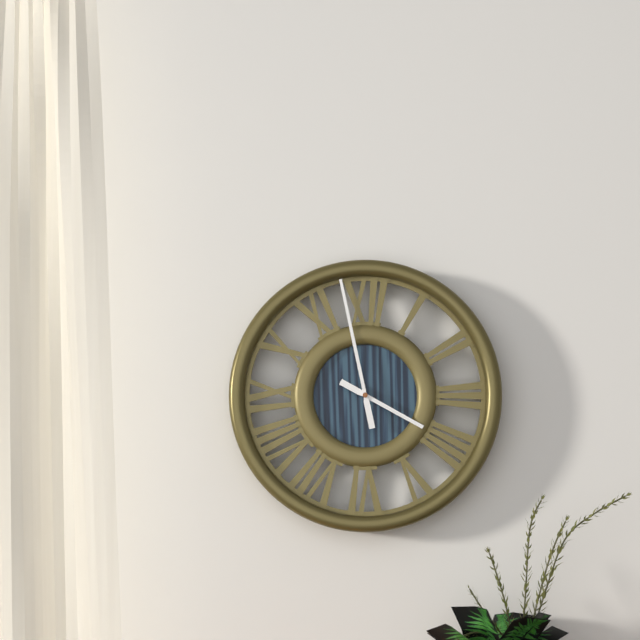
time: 3:58
